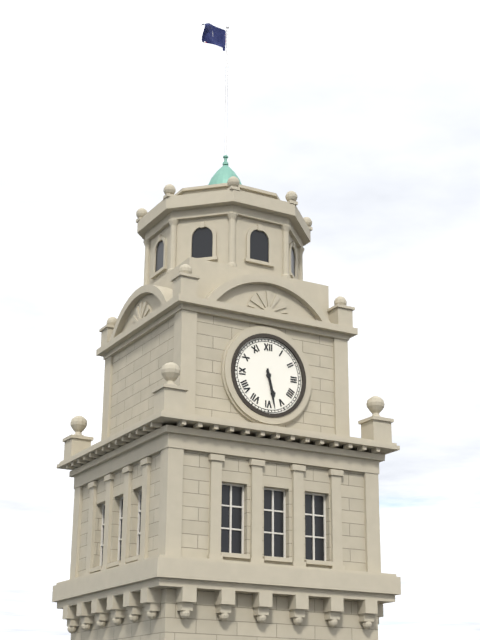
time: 5:28
